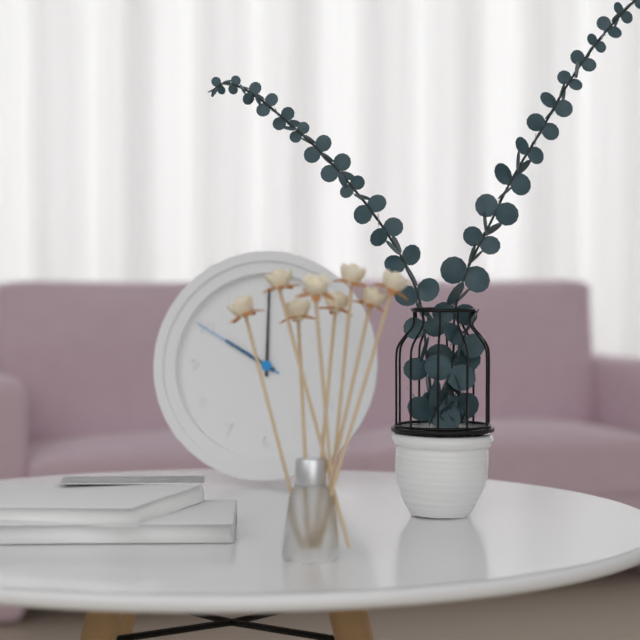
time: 10:00:50
